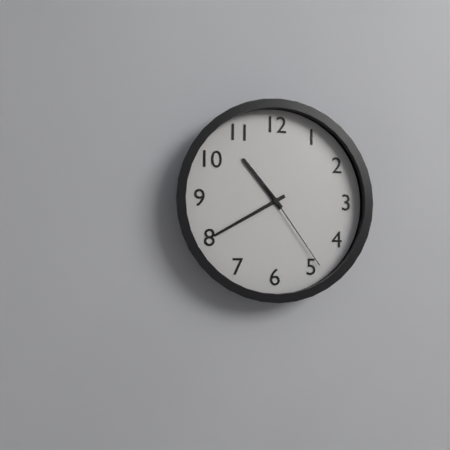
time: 10:40:24
